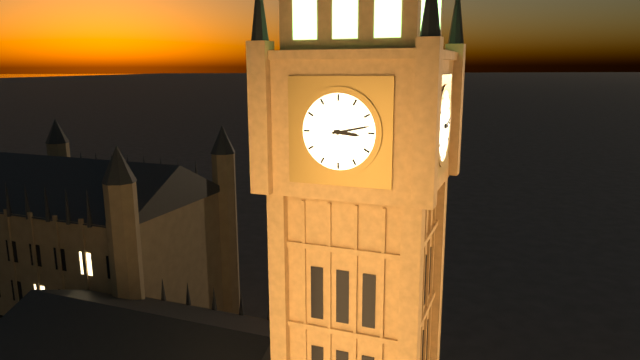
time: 3:13
